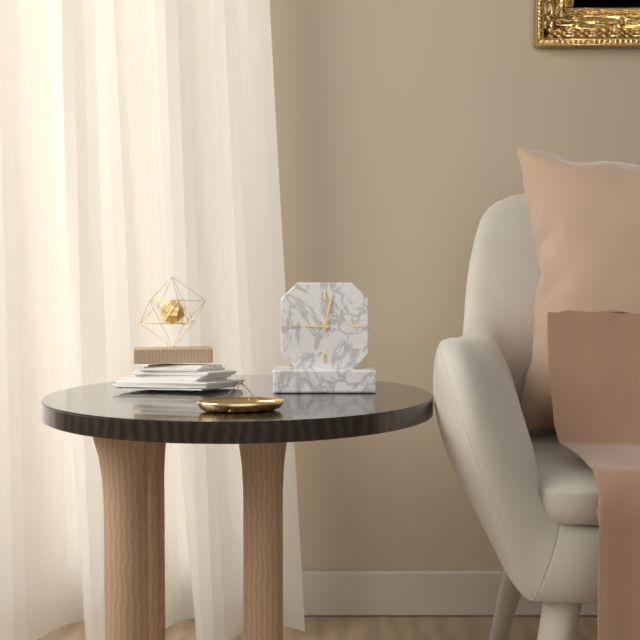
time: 9:02
